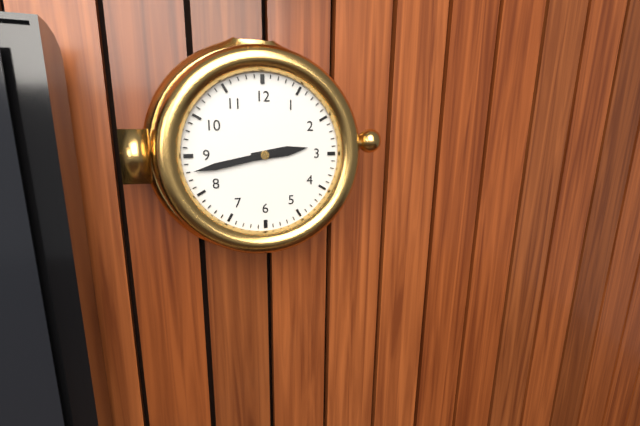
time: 2:43
